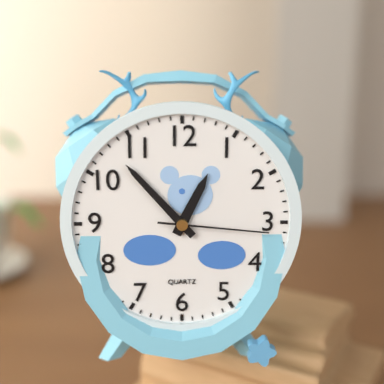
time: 12:53:16
